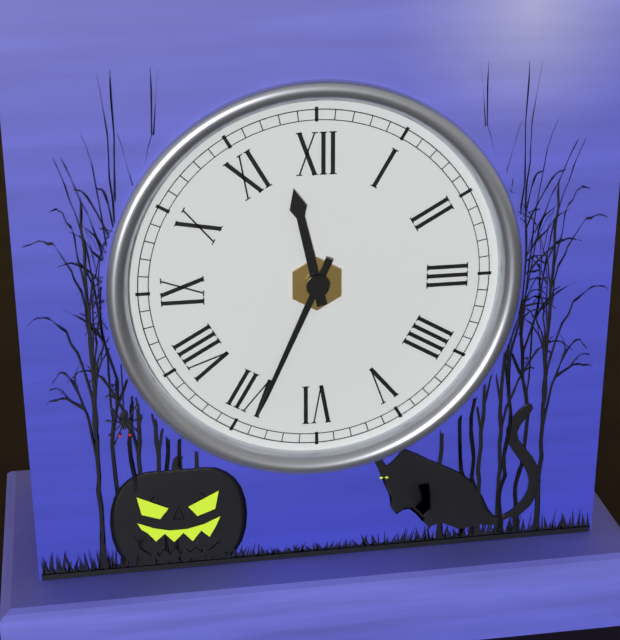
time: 11:34
